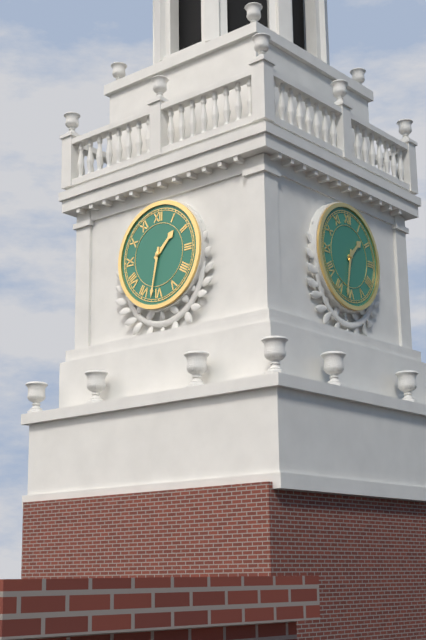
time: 1:32
